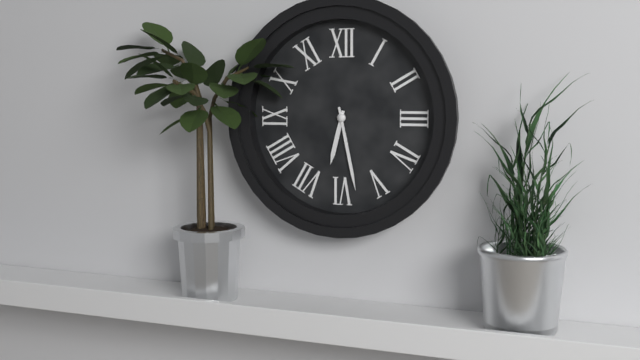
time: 6:28
